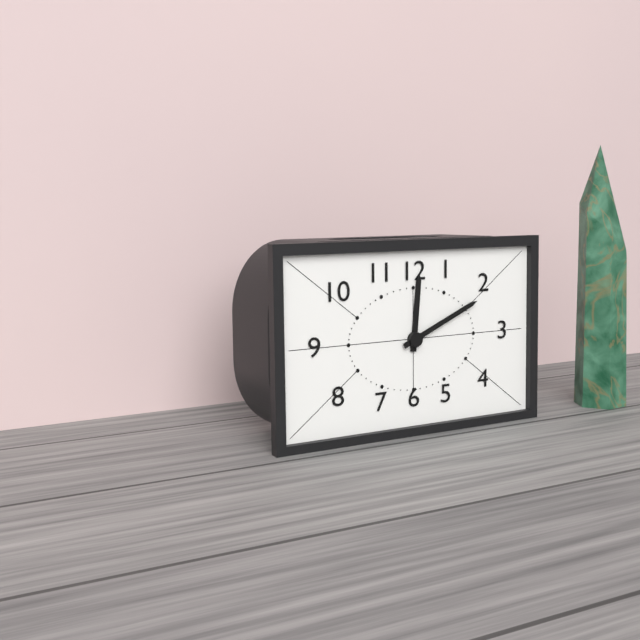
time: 12:11
